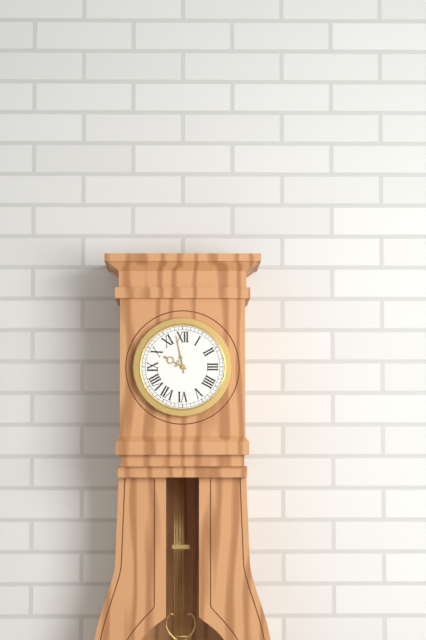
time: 9:58
